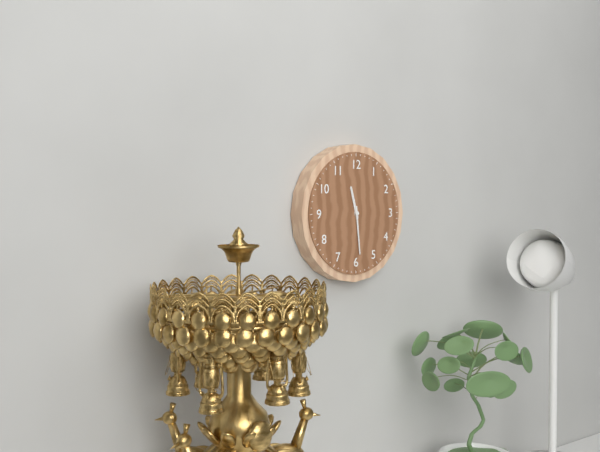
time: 11:29
